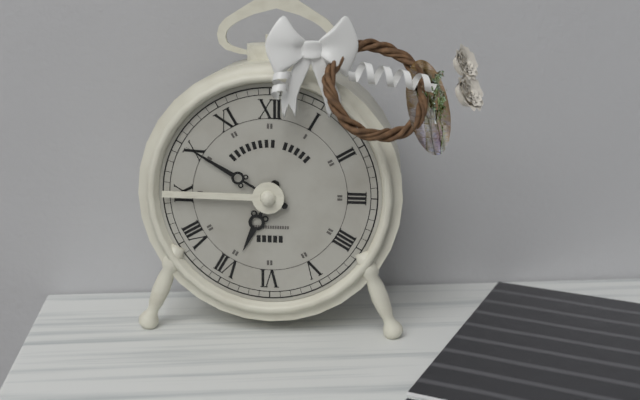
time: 6:50
